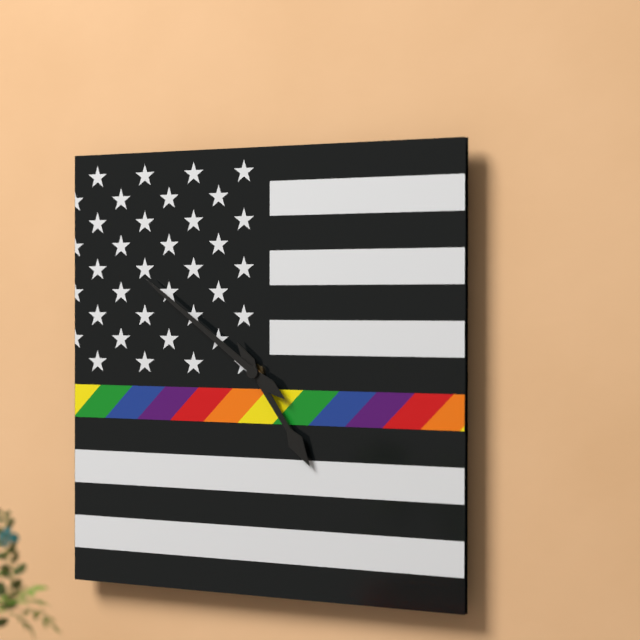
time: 4:51
